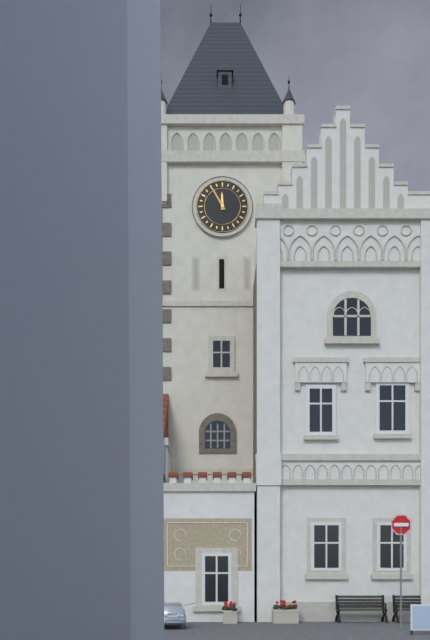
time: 11:55
